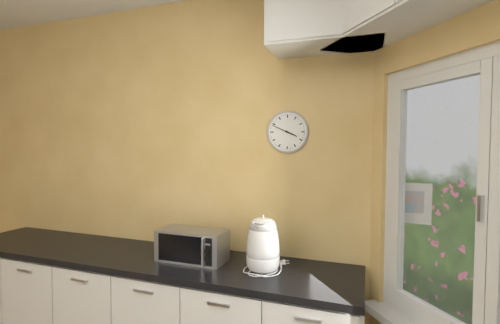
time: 3:49
